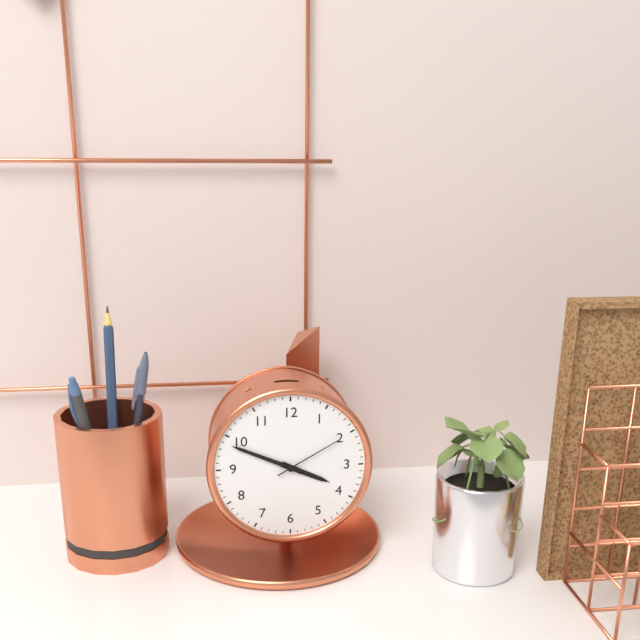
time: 3:49:10
